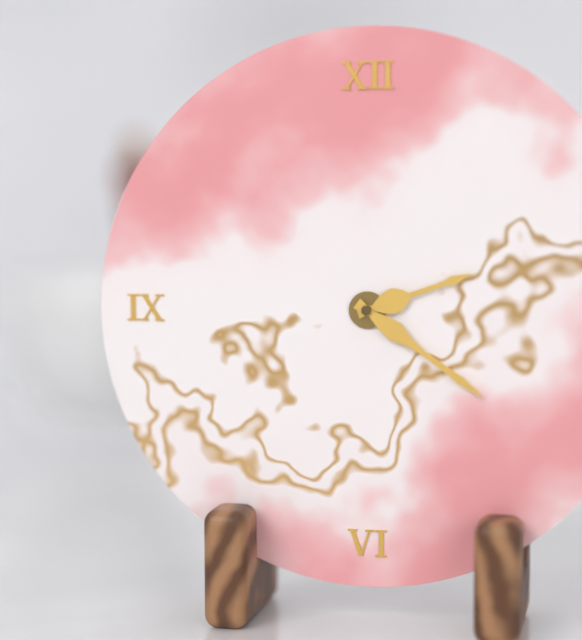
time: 2:21
